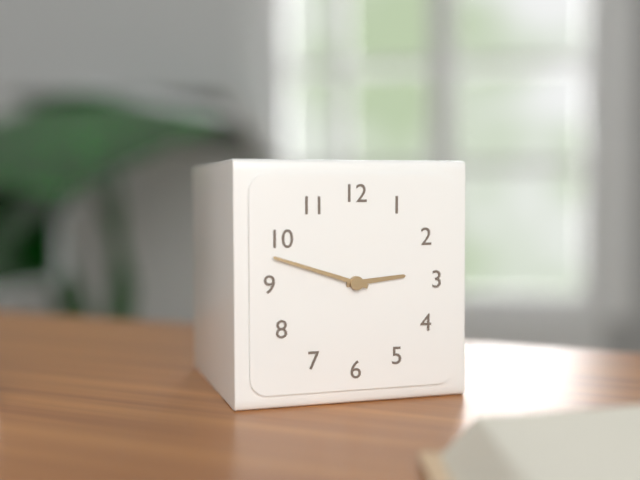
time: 2:48
